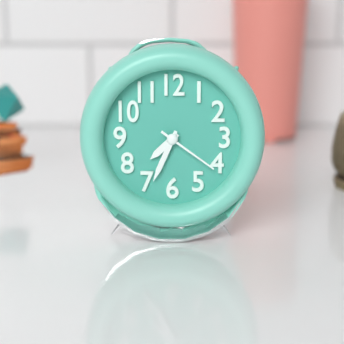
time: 7:34:21
